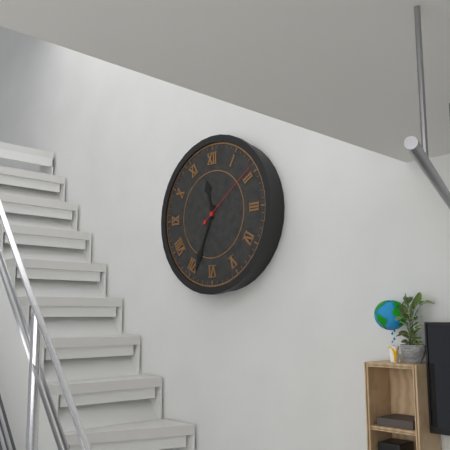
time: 11:34:09
